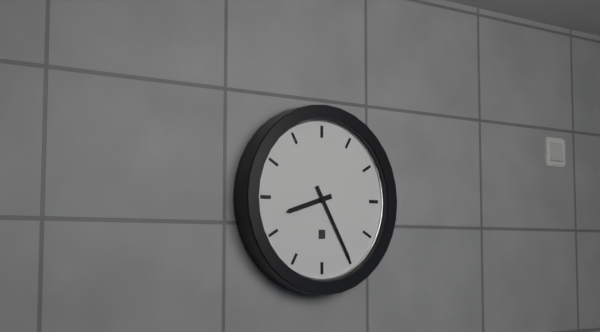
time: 8:25
